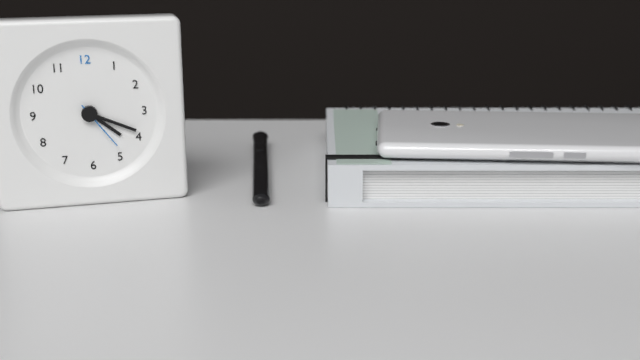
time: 4:19:24
